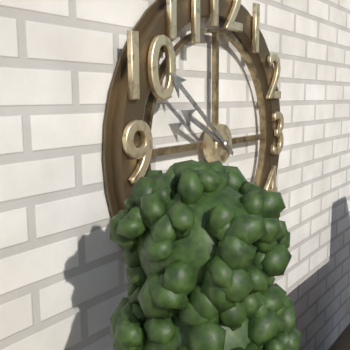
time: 9:51
